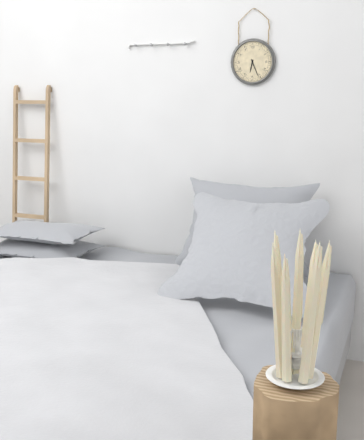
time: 6:26
